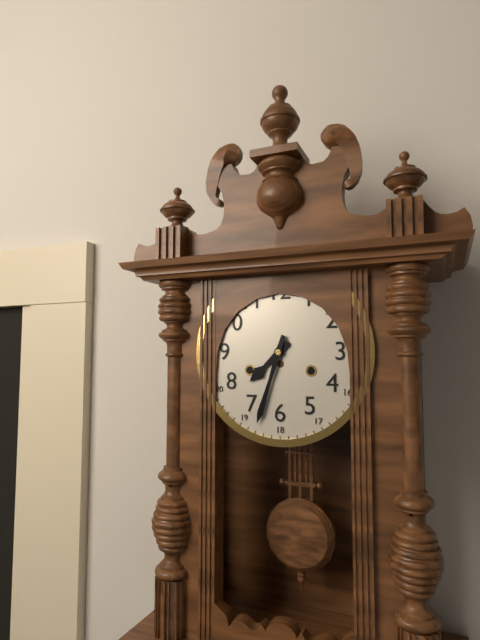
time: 7:33
